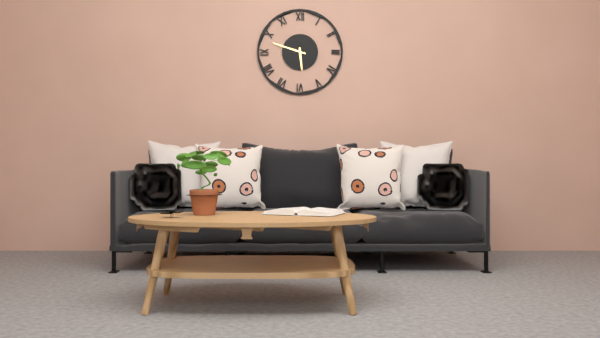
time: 5:48
